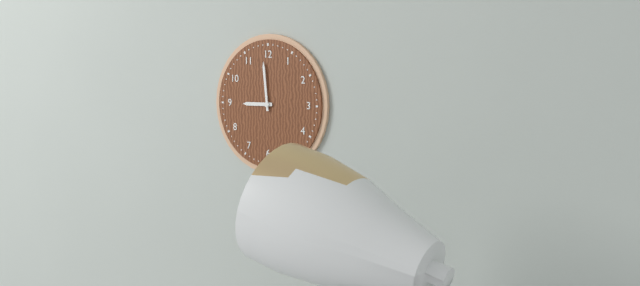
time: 8:59
